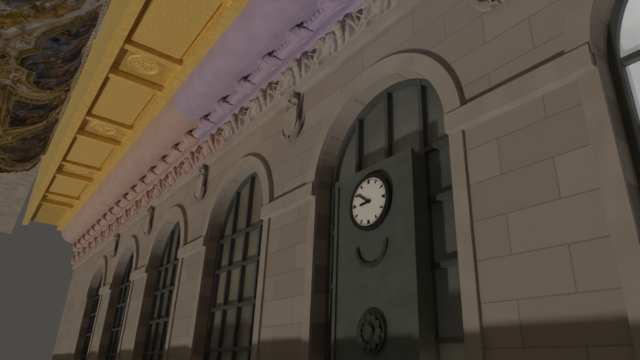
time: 8:51
